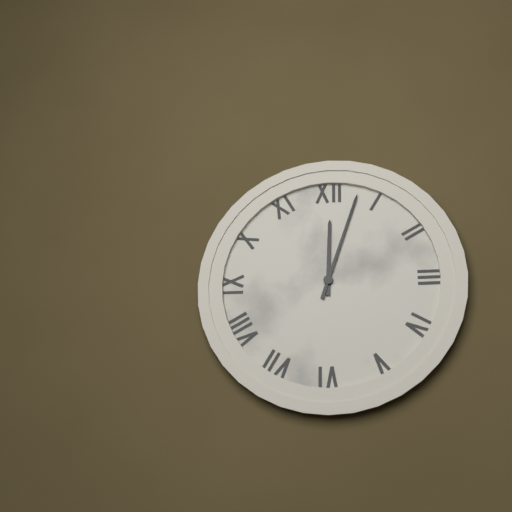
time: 12:03
